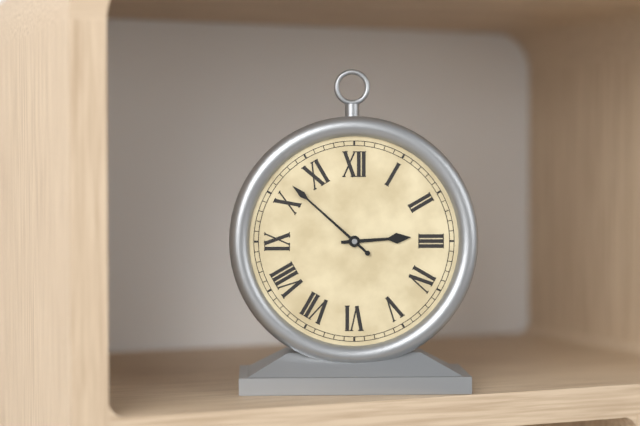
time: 2:52
